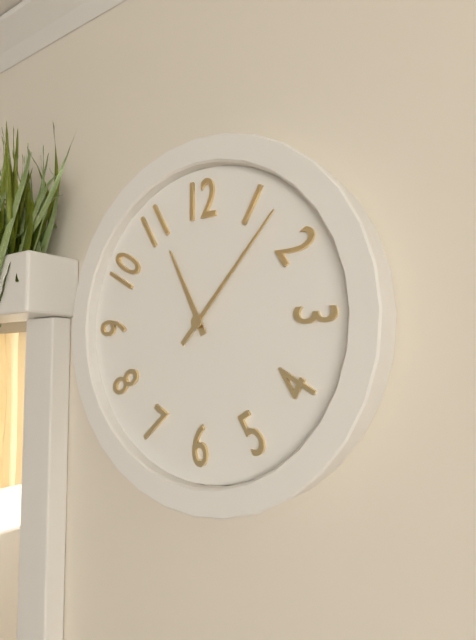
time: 11:07
